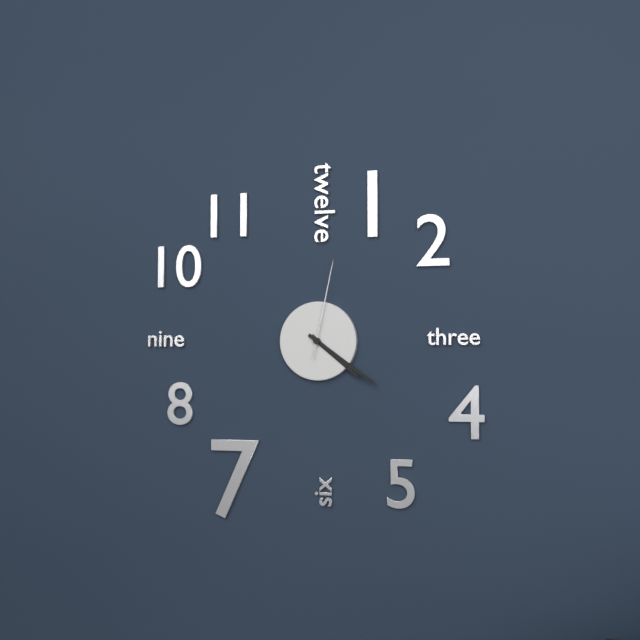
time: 4:21:02
